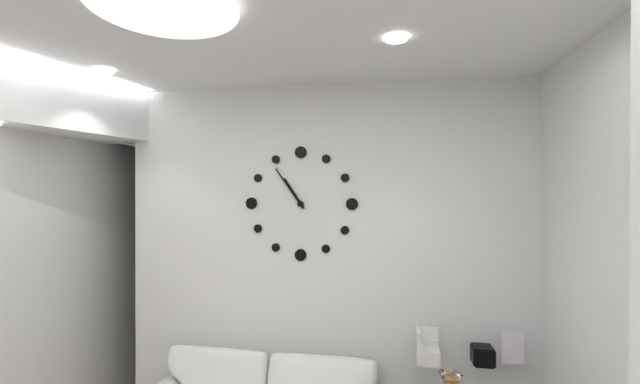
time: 10:54
